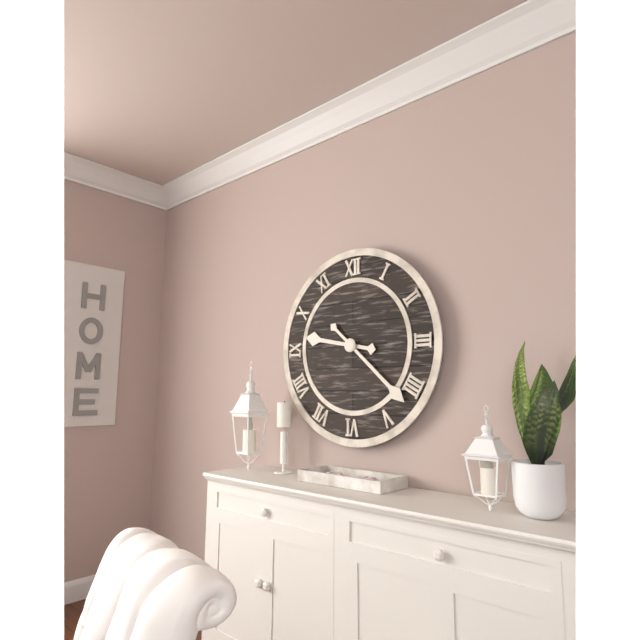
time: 9:22
